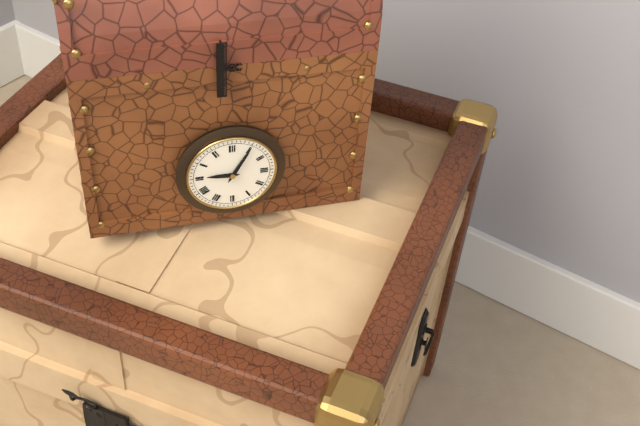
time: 9:05
